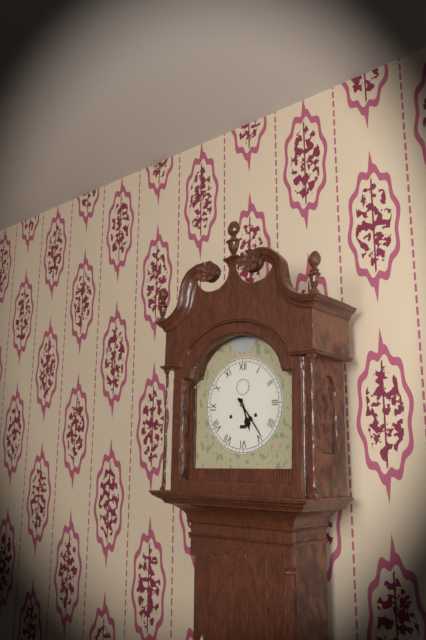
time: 5:24
